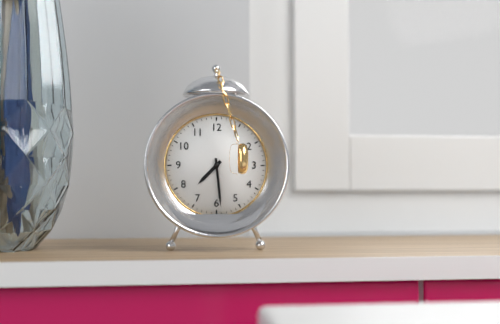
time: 7:29
